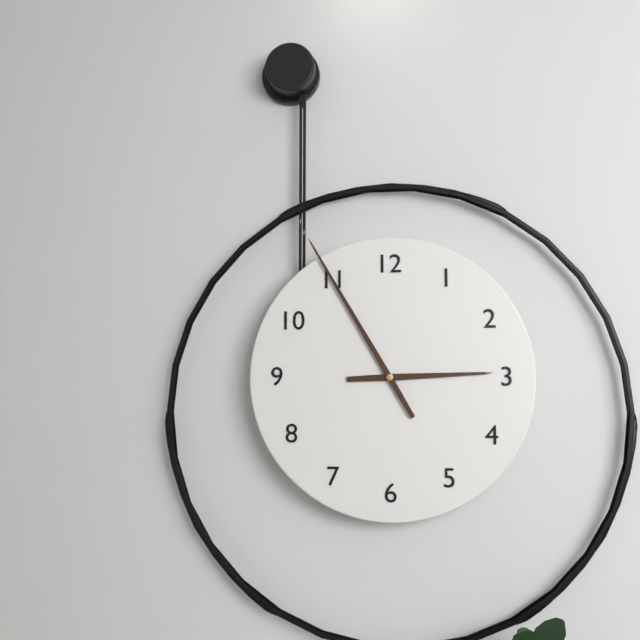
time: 2:55
